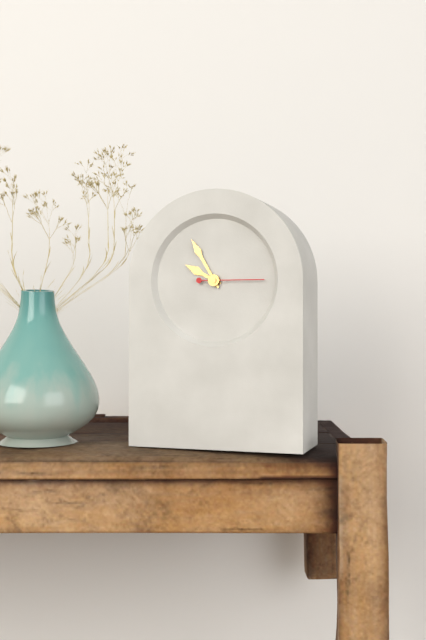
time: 9:55:15
